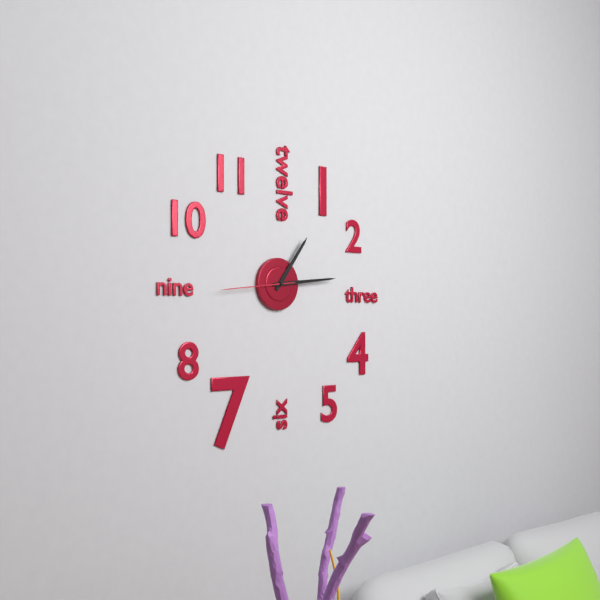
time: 1:14:44
